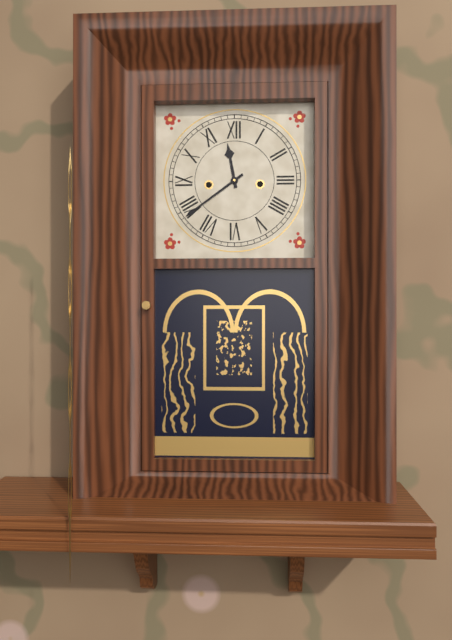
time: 11:39
